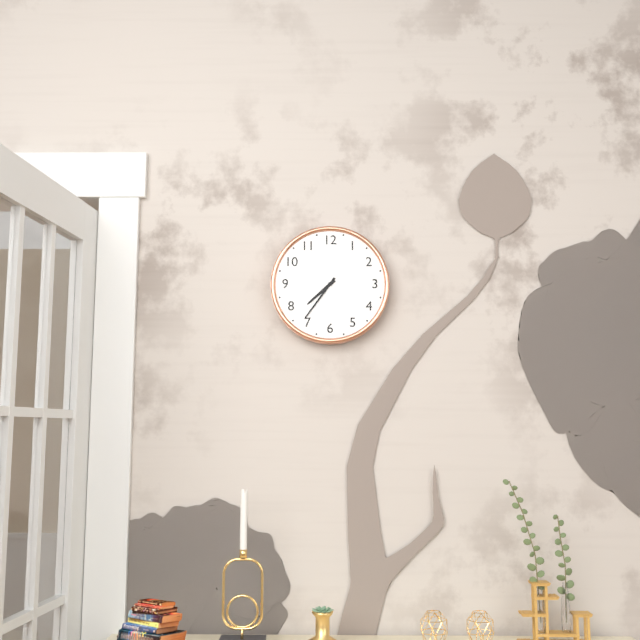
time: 7:36
